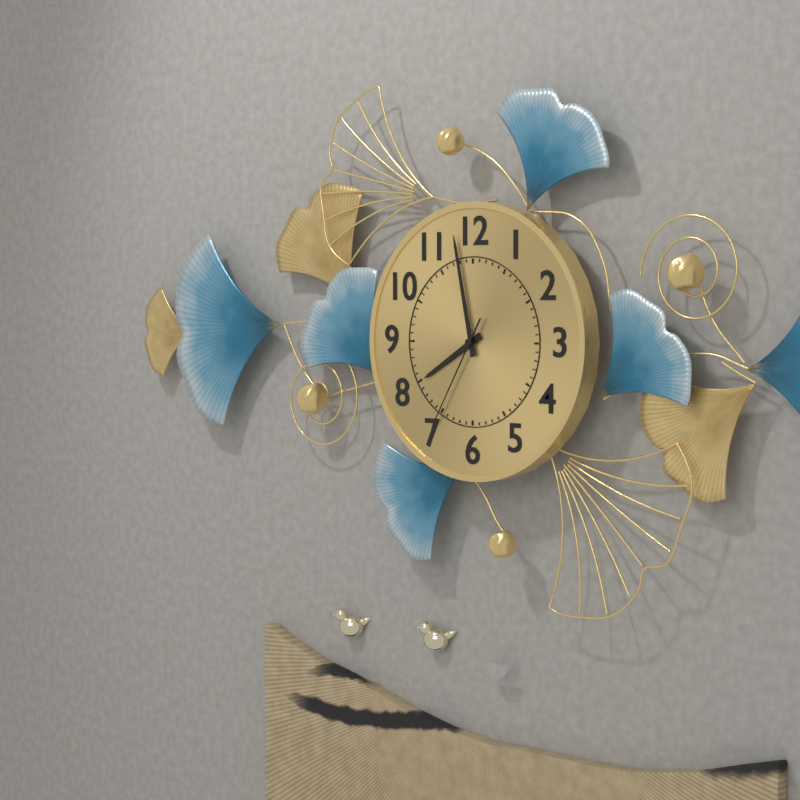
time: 7:58:35
